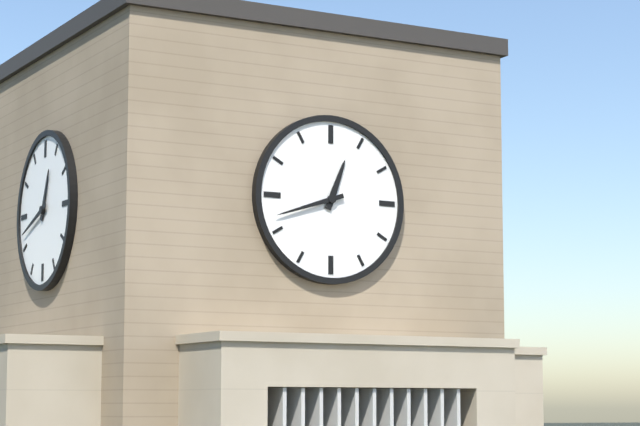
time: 12:42
